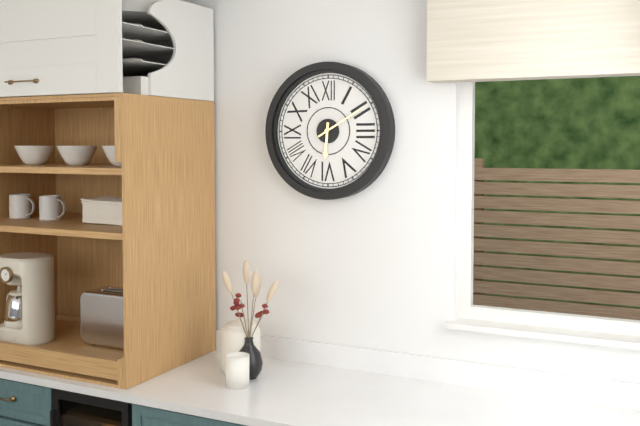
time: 6:10
